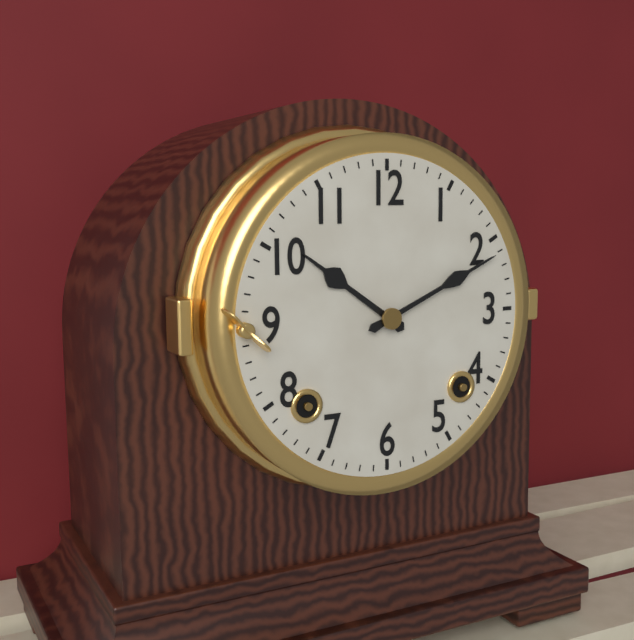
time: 10:11
